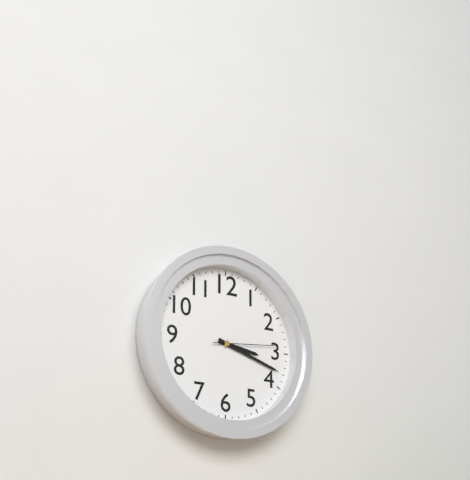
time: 3:18:14
